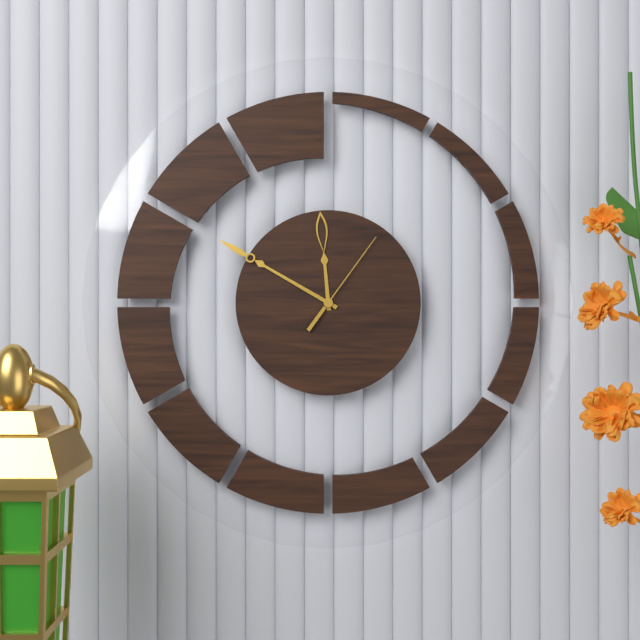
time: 11:50:06
